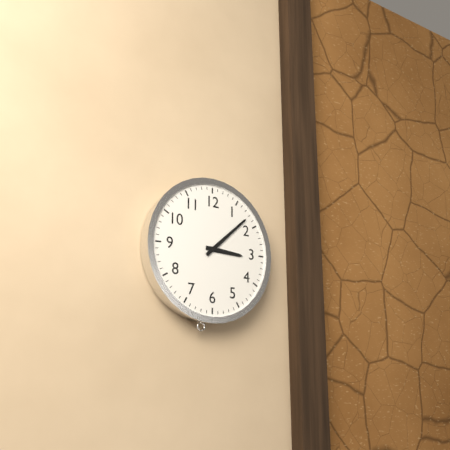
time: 3:08
